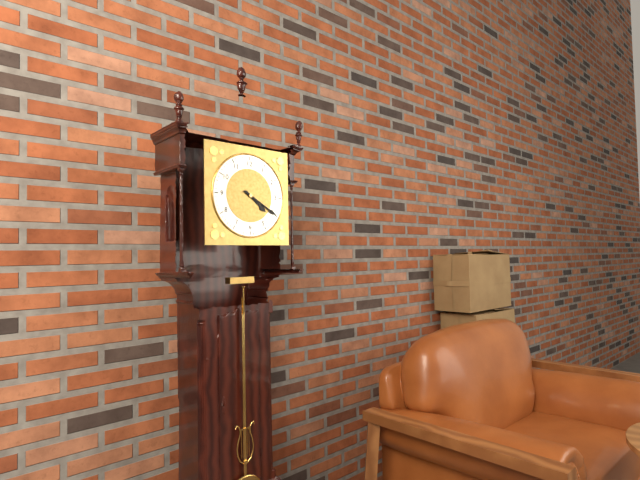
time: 4:20
